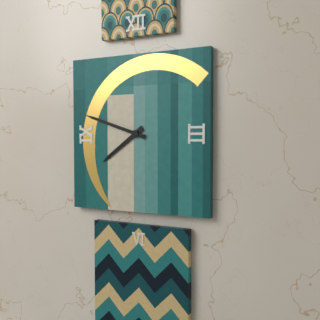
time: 7:48
